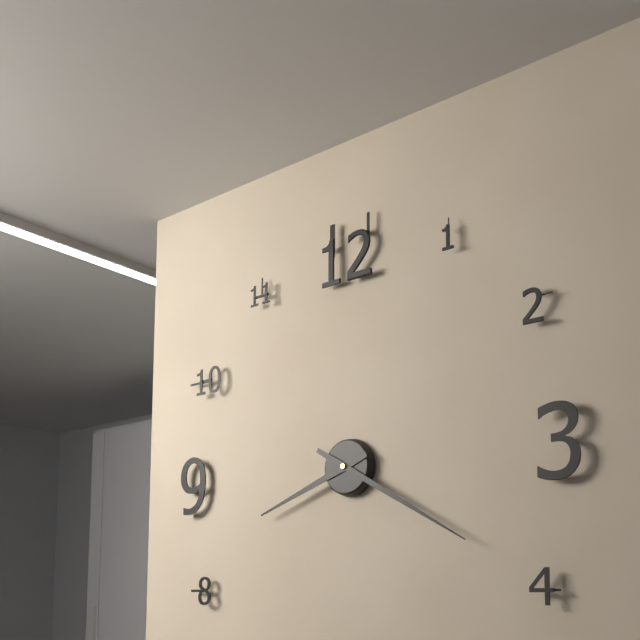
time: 8:20
